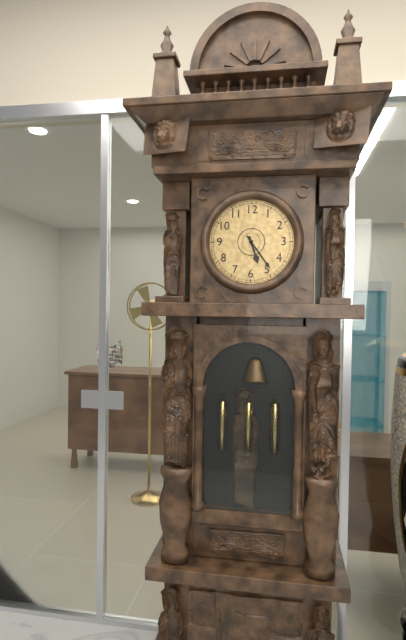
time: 5:24
